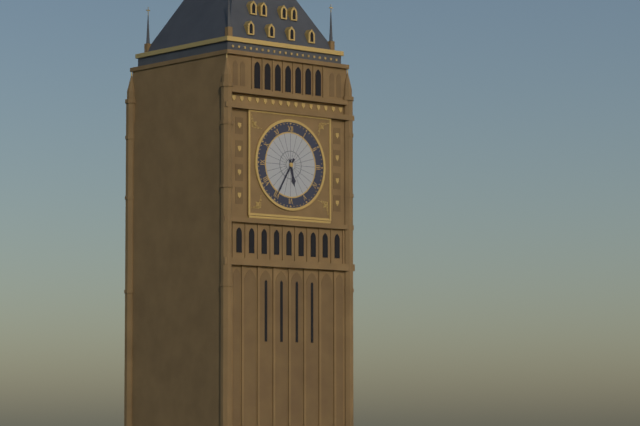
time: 5:35
